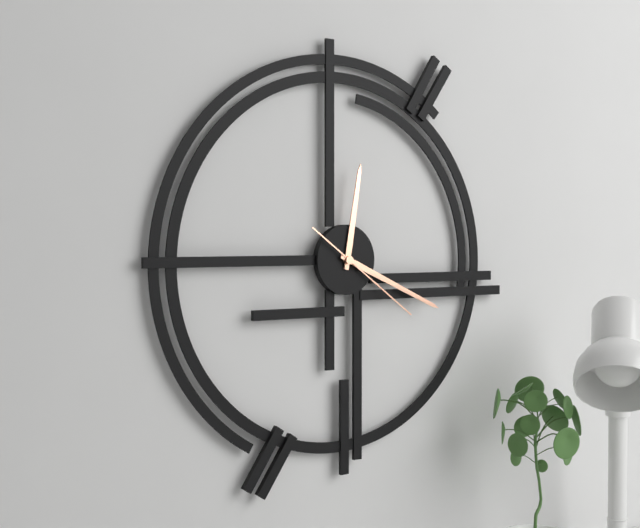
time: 12:19:21
